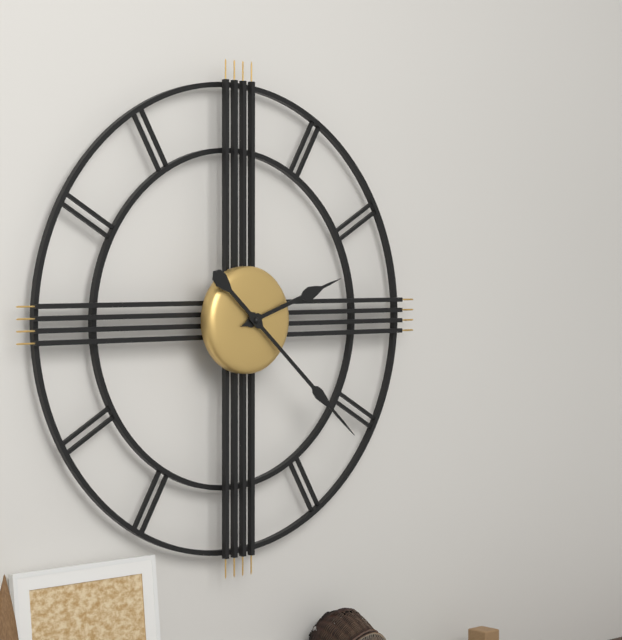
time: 2:22
